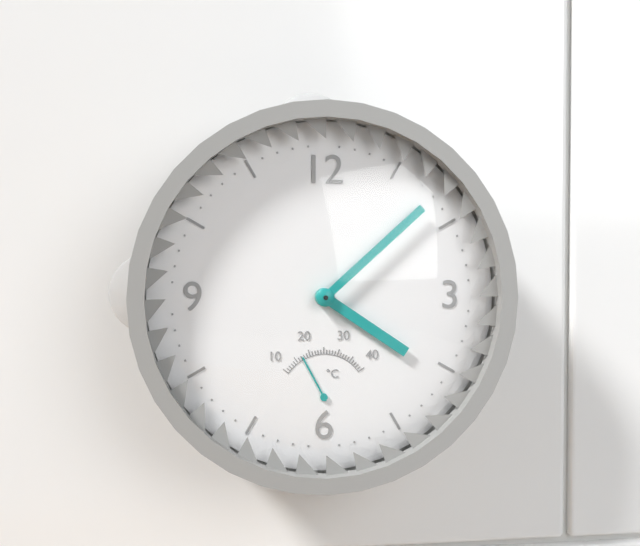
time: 4:08
